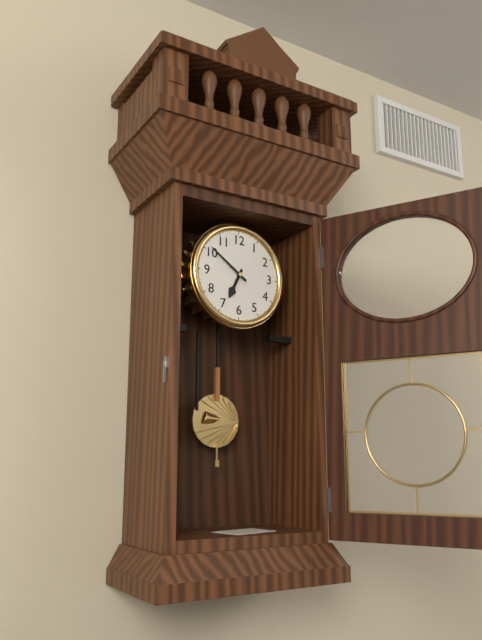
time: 6:51
